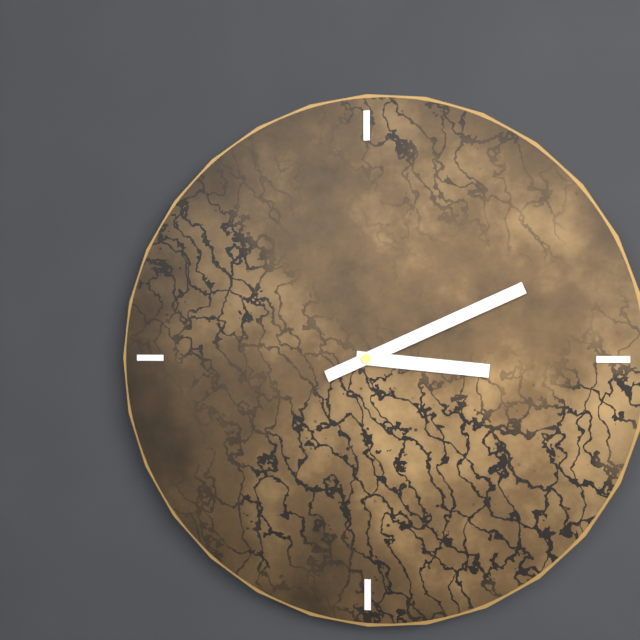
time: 3:11
